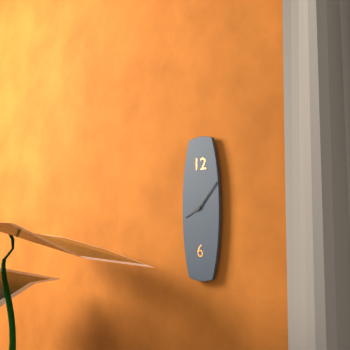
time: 8:07
